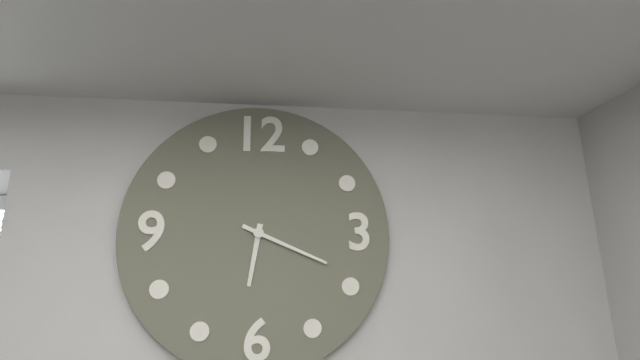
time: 6:19
